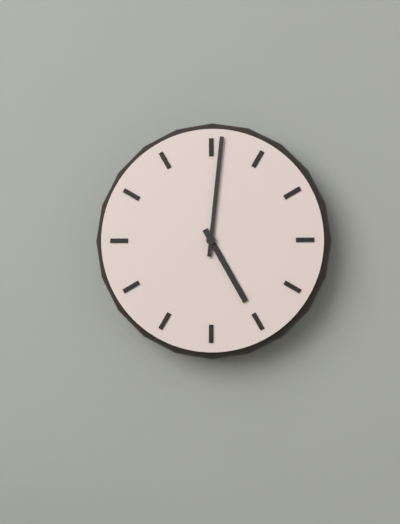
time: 5:01
